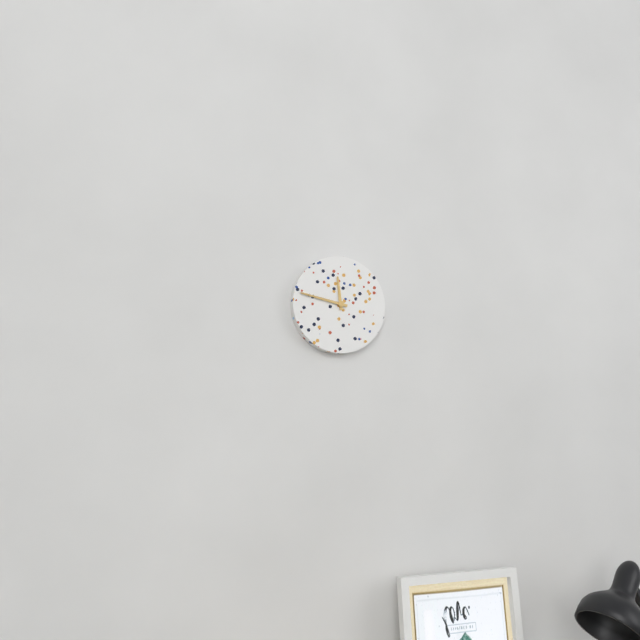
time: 11:47
